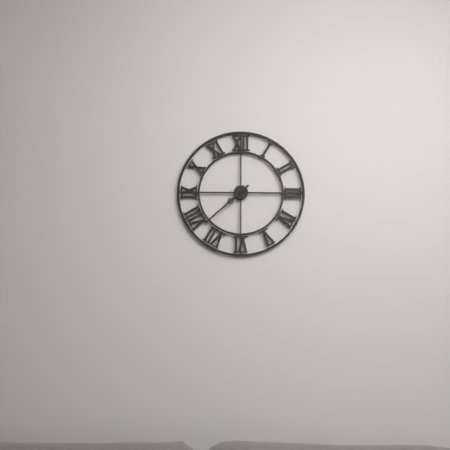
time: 7:38
